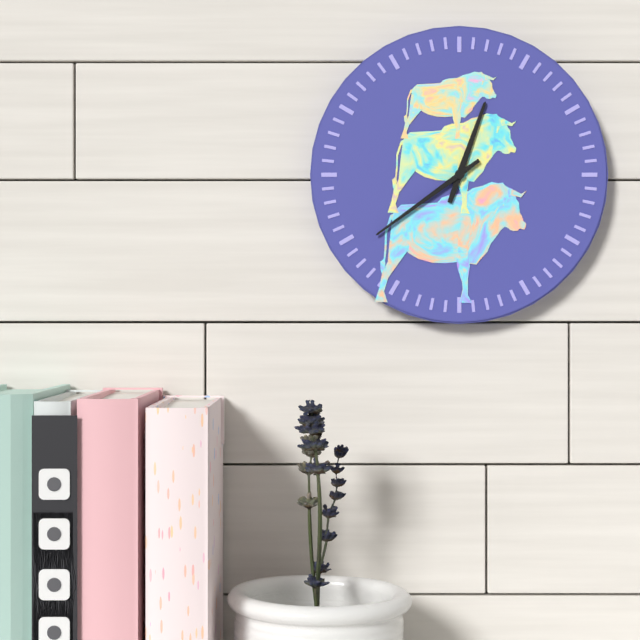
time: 12:39
